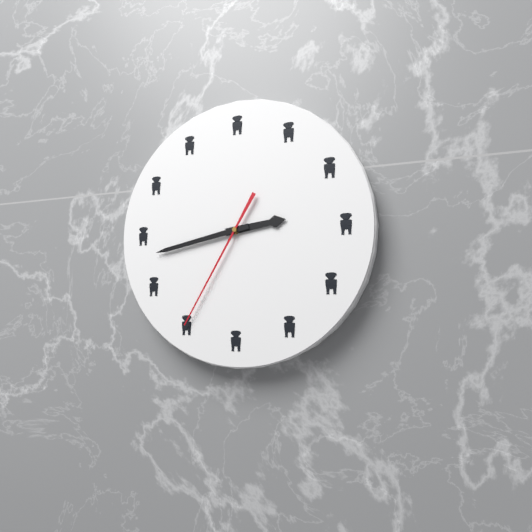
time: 2:43:35
